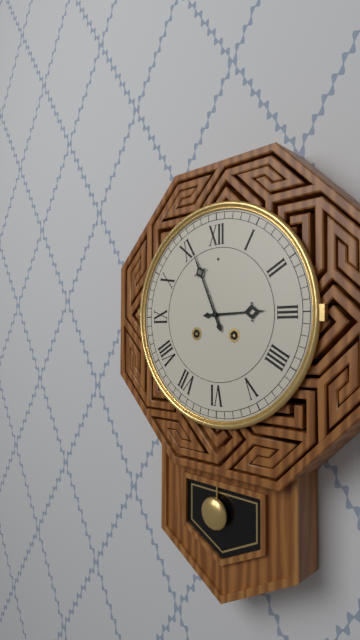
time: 2:56
